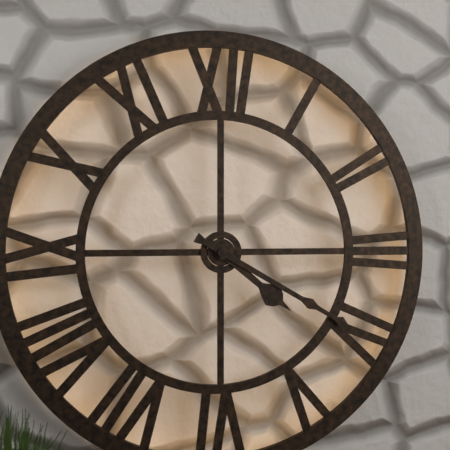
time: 4:20
